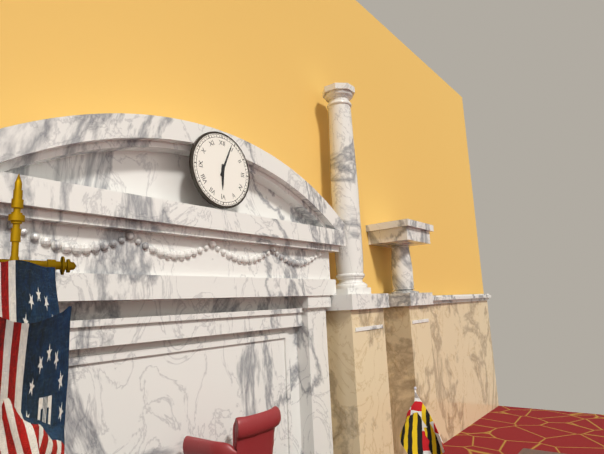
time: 6:04
